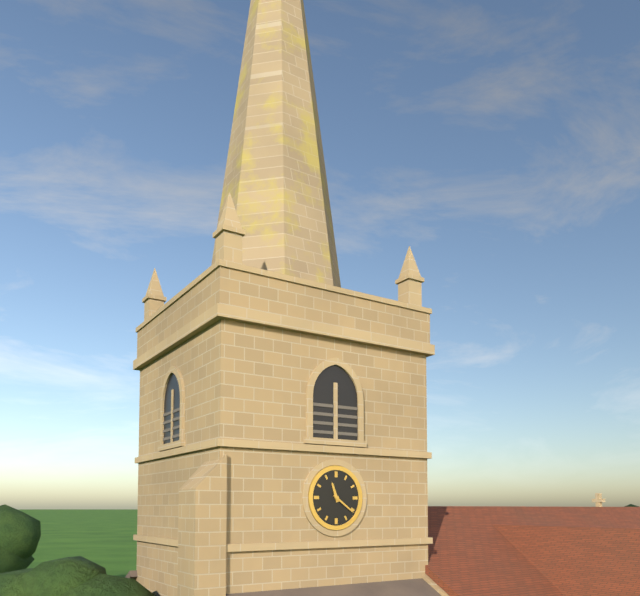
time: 11:21
